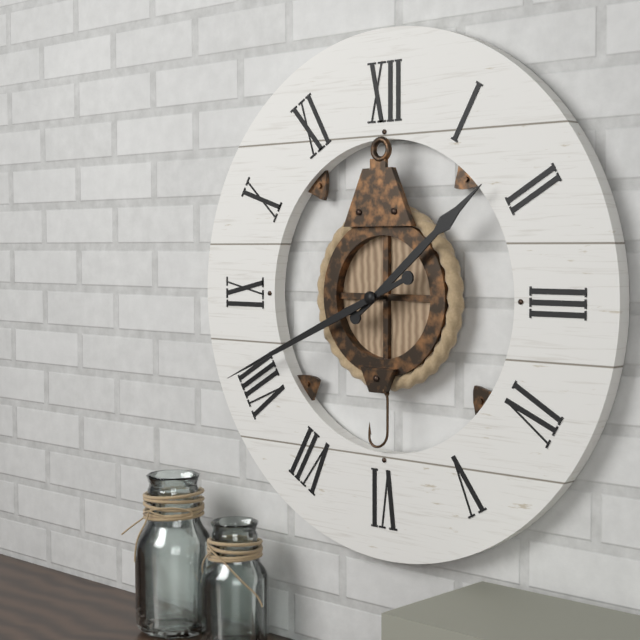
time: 1:41
